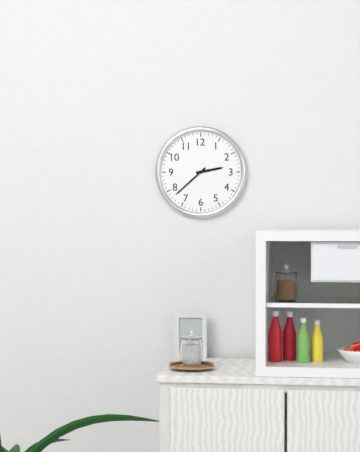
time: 2:38
